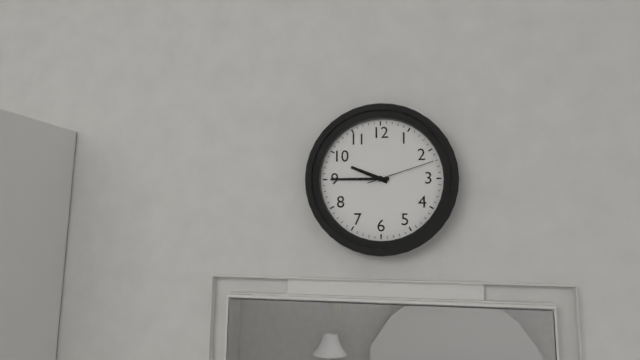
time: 9:45:12
